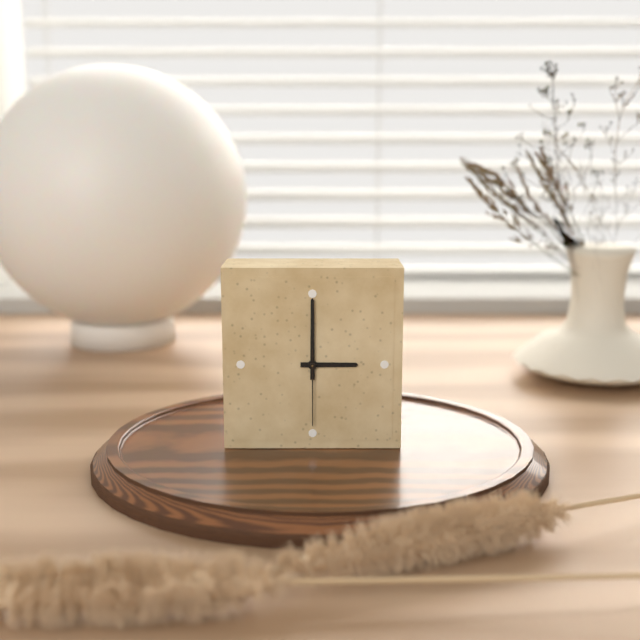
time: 3:00:30
